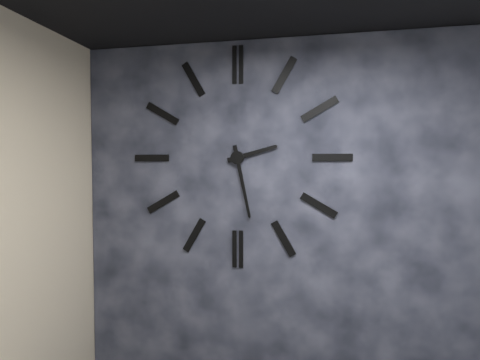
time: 2:28
